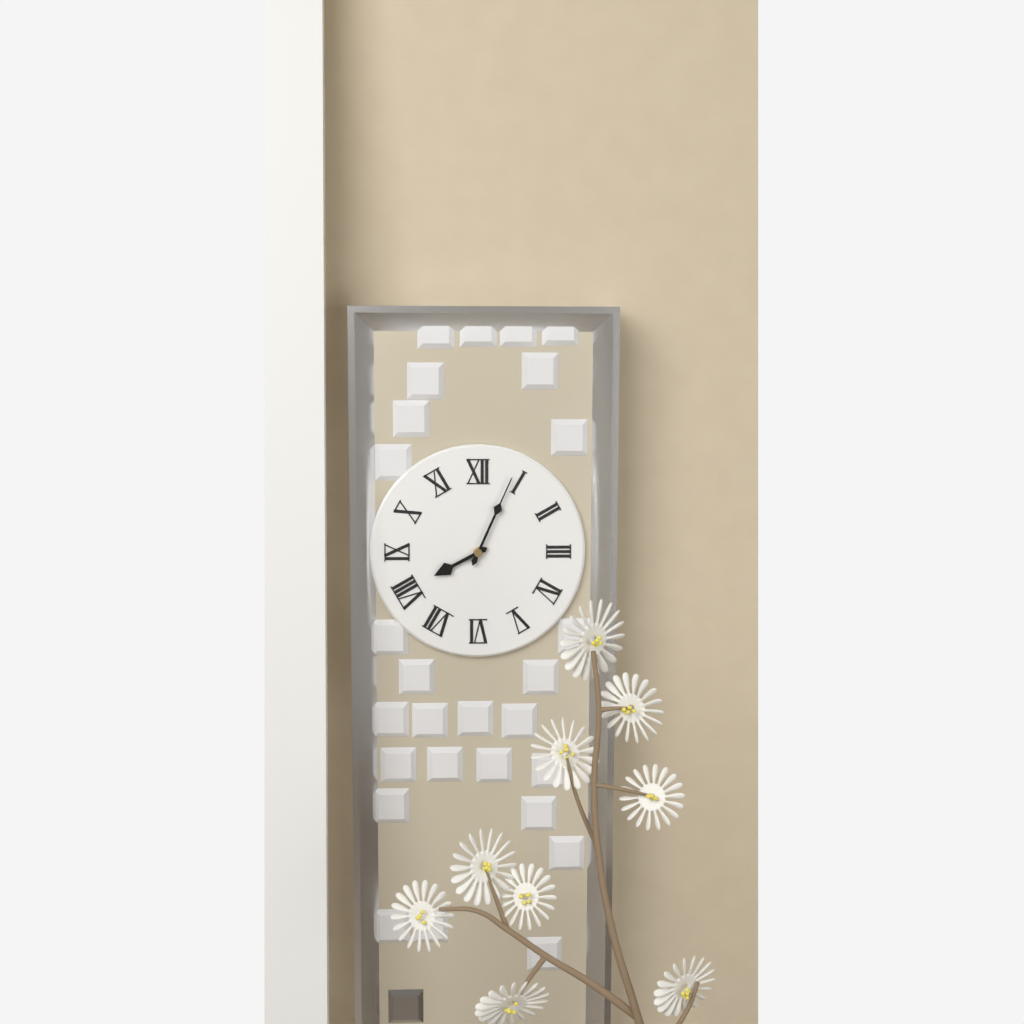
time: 8:04
